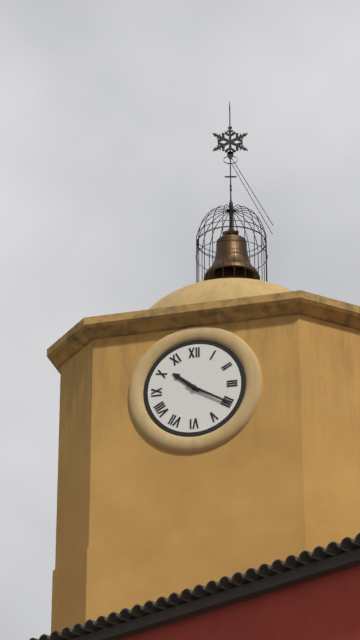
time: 10:20
